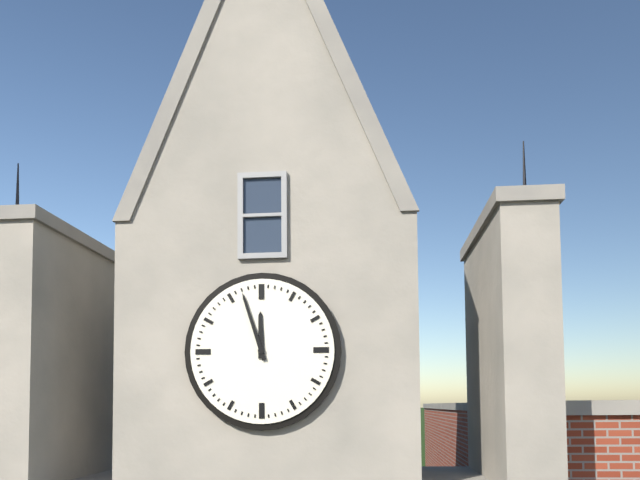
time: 11:57
